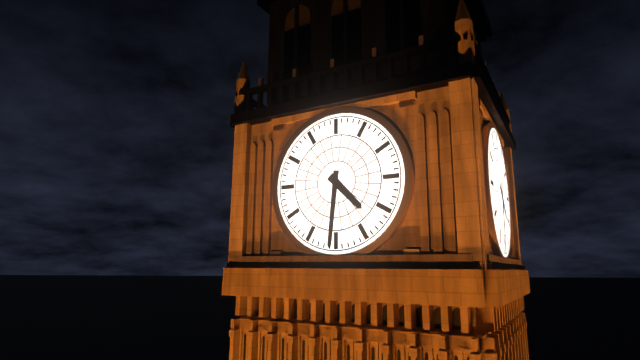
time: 4:31
